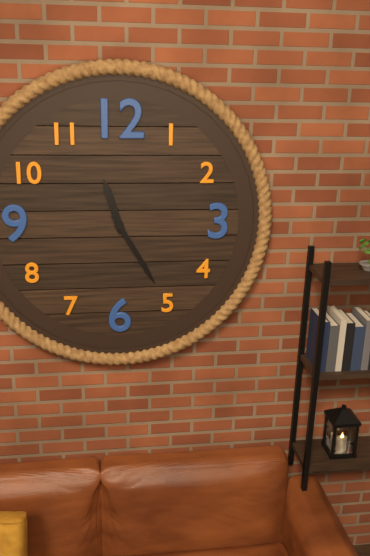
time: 11:25
